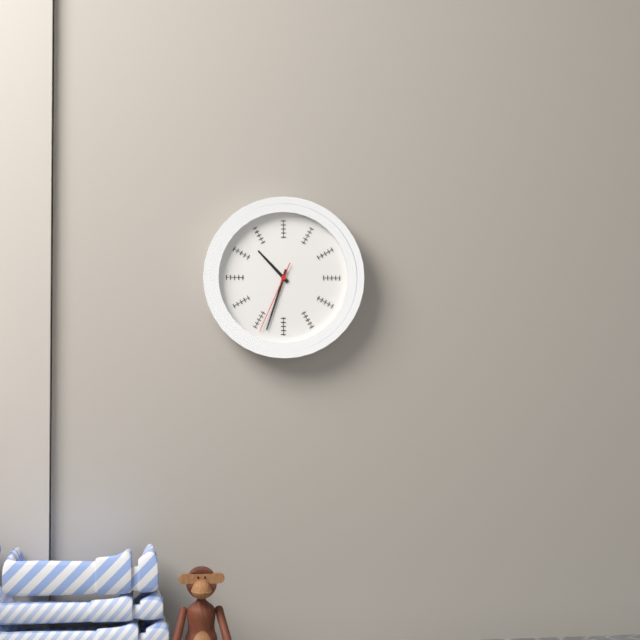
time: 10:33:34
